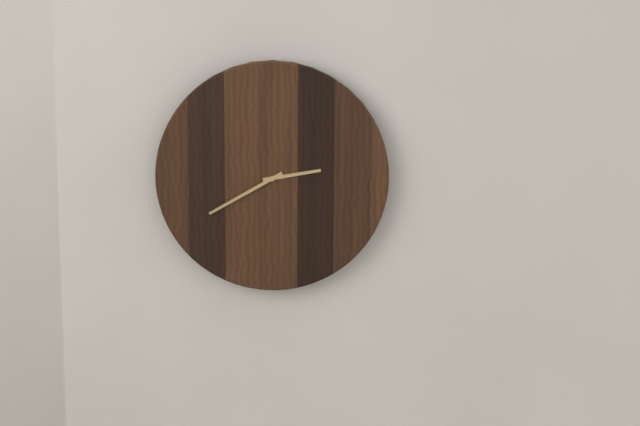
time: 2:40
